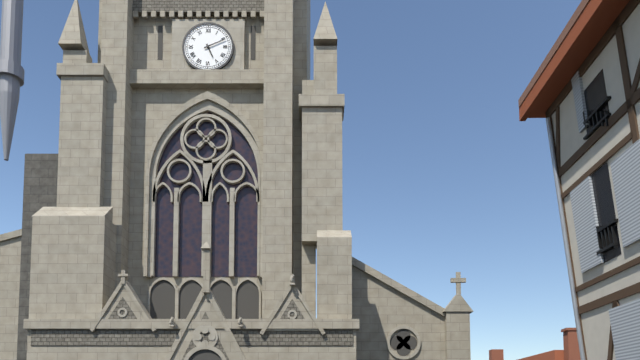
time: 5:11
